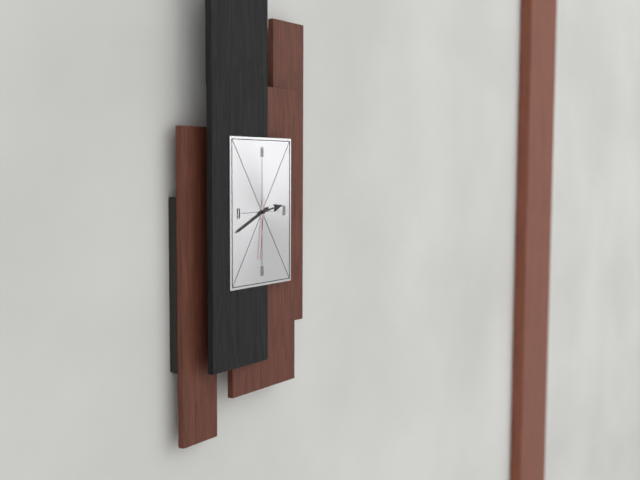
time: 2:41:31
